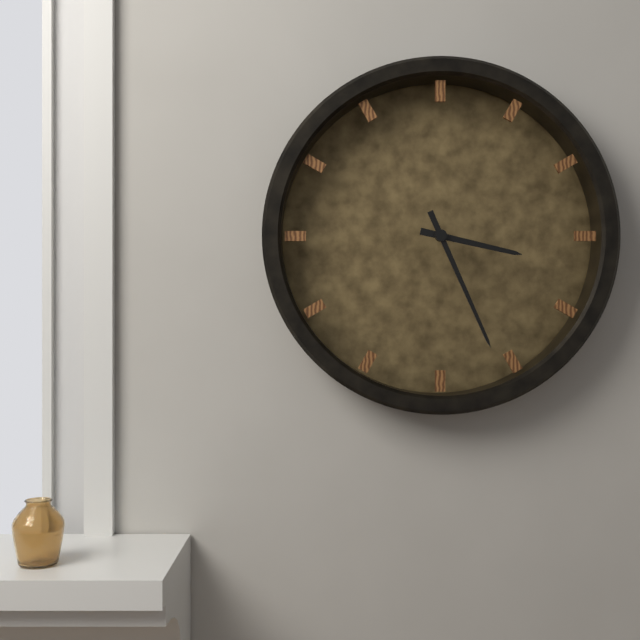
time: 3:26
